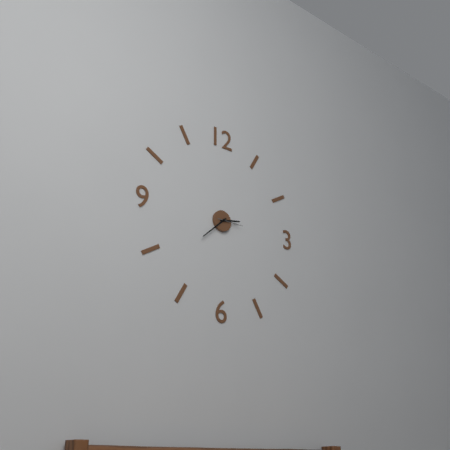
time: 2:38
